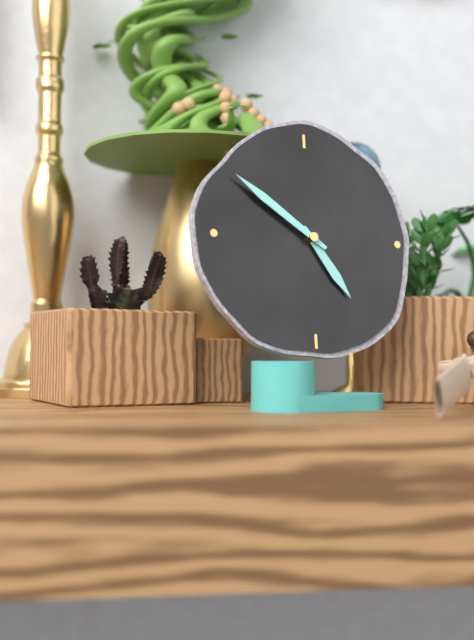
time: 4:51
